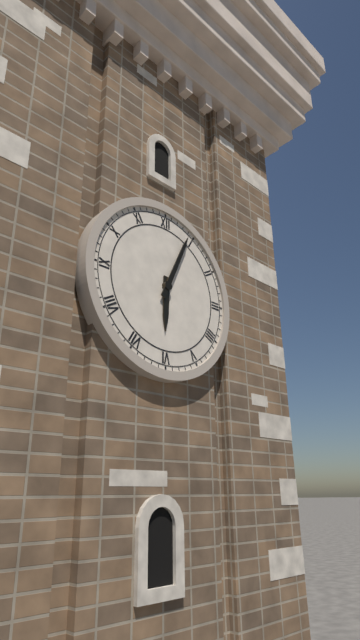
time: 6:04
